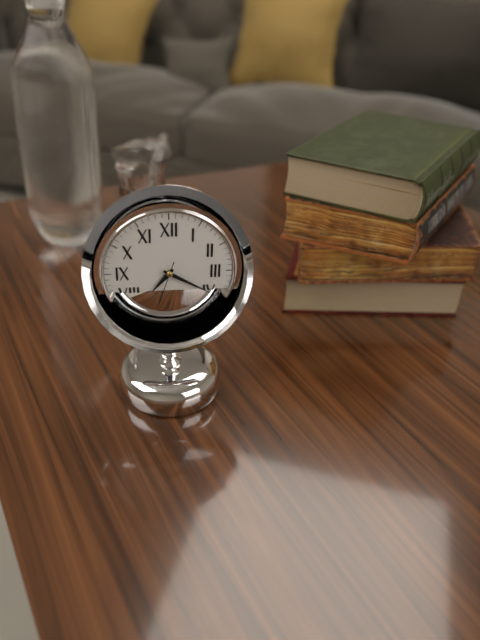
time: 7:20
